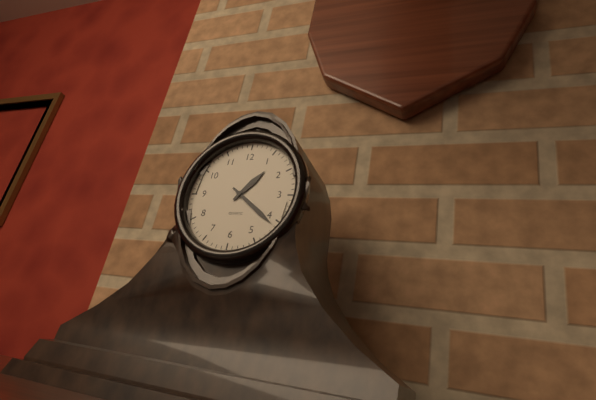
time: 1:21
